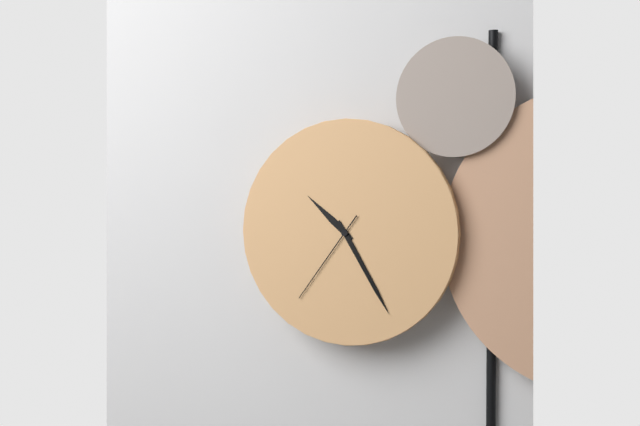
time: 10:25:36
